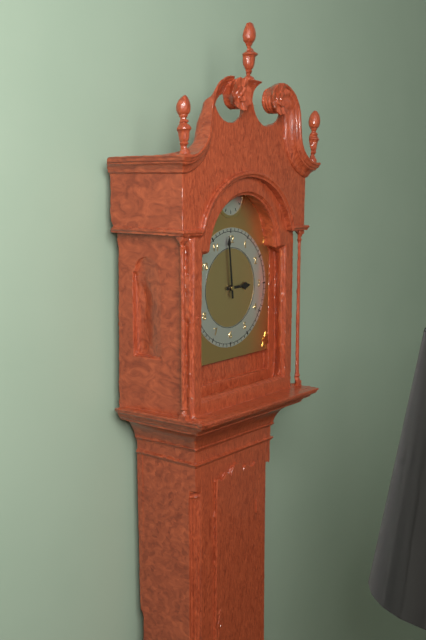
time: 2:59
